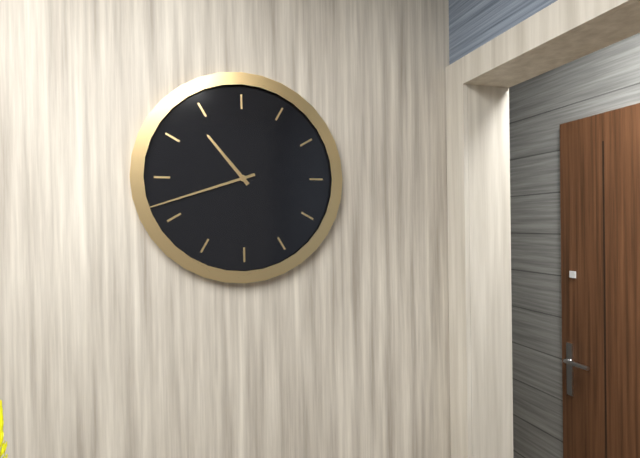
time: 10:42
